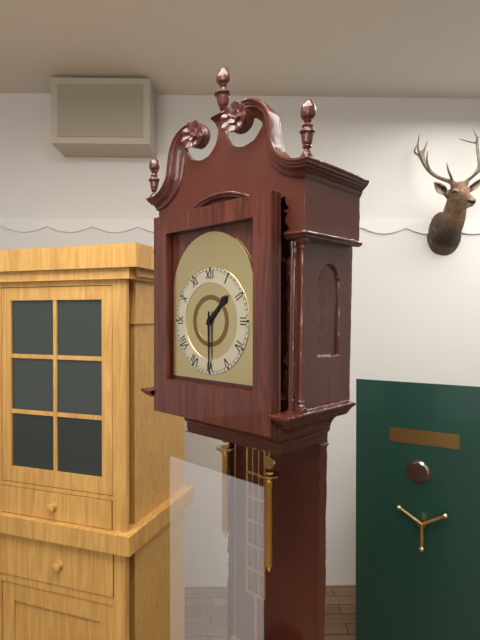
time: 1:30
